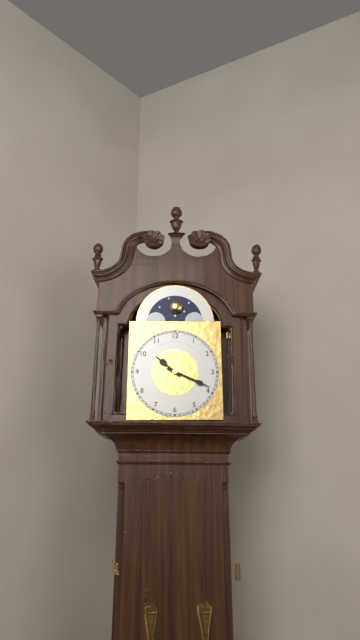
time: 10:19
